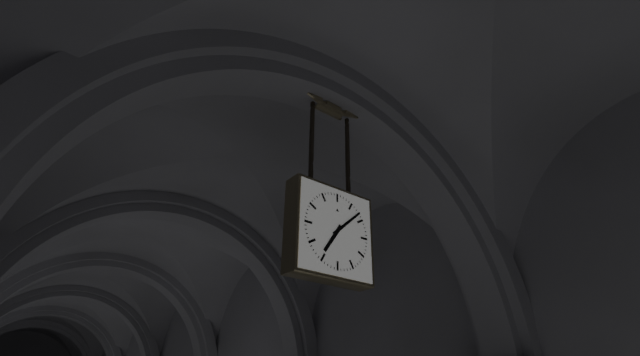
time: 7:08
